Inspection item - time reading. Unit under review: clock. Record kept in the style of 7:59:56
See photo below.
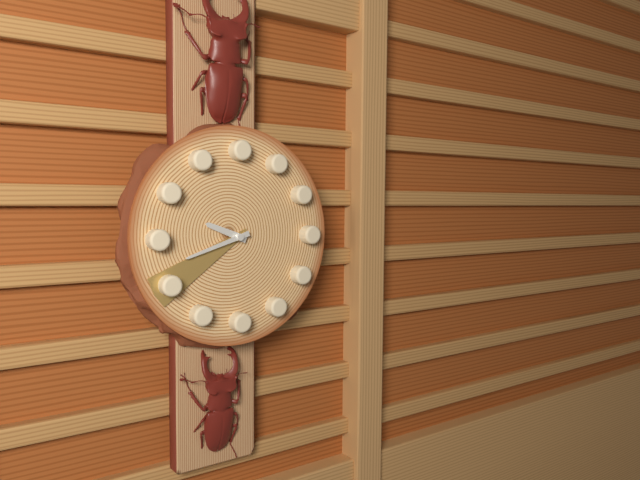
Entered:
9:42:40
